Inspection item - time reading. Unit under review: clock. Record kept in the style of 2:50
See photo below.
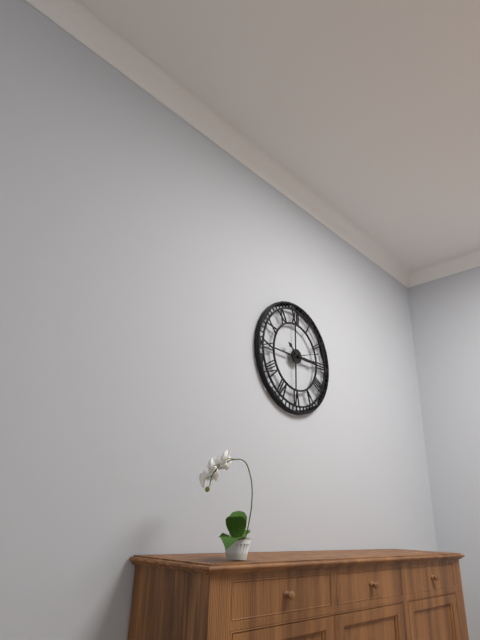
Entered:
10:15
